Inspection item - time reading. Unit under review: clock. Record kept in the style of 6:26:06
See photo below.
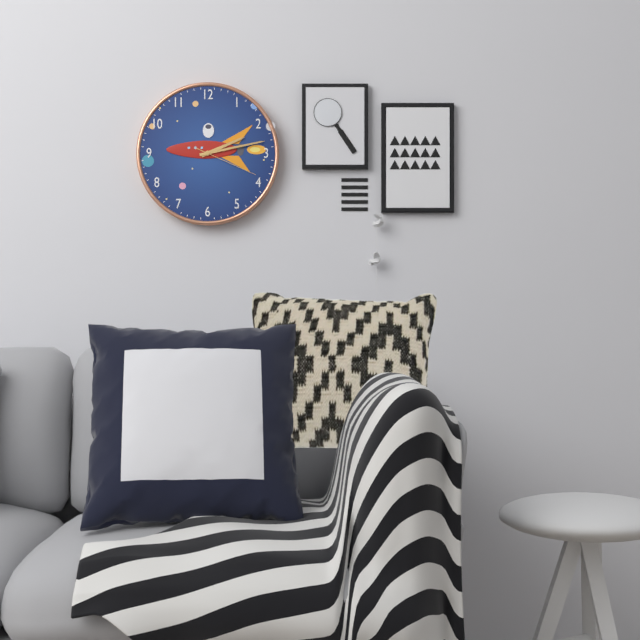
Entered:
2:13:19
